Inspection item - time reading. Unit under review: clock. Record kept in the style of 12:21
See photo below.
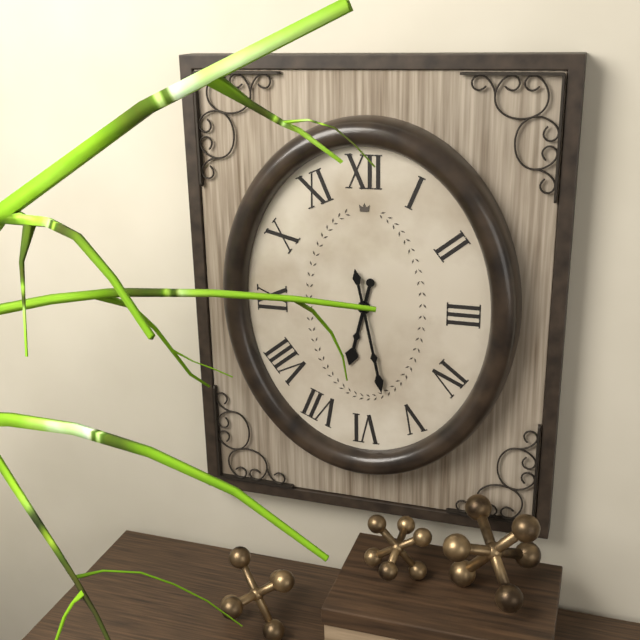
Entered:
6:28
